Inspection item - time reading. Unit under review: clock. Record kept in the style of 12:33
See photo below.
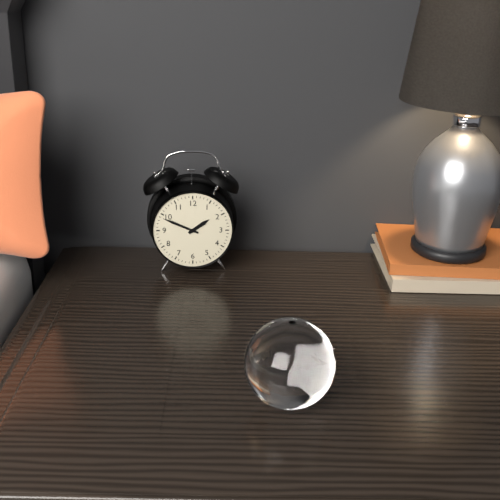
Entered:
1:49
